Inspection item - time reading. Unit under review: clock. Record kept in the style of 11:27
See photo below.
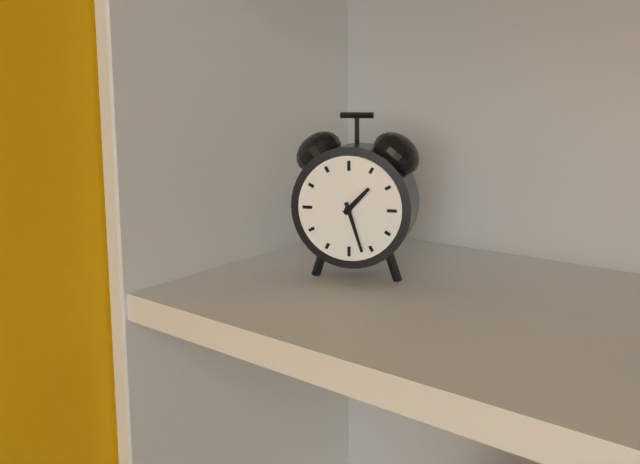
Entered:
1:27
